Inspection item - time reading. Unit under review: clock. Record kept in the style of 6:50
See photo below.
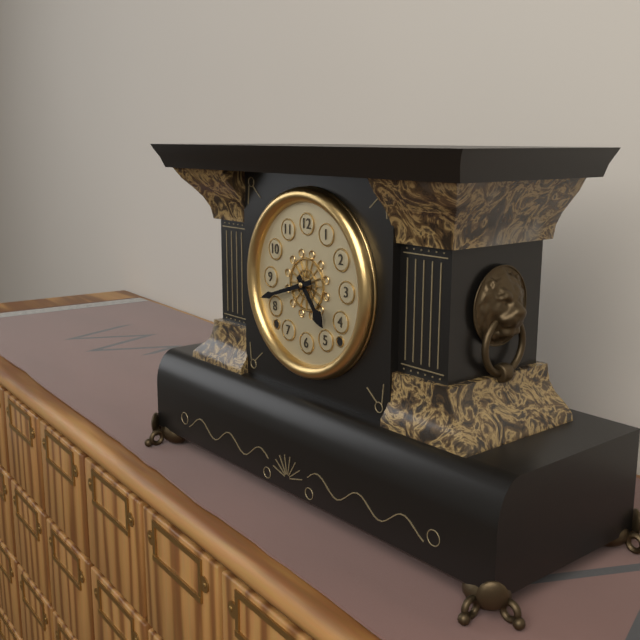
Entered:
4:42
